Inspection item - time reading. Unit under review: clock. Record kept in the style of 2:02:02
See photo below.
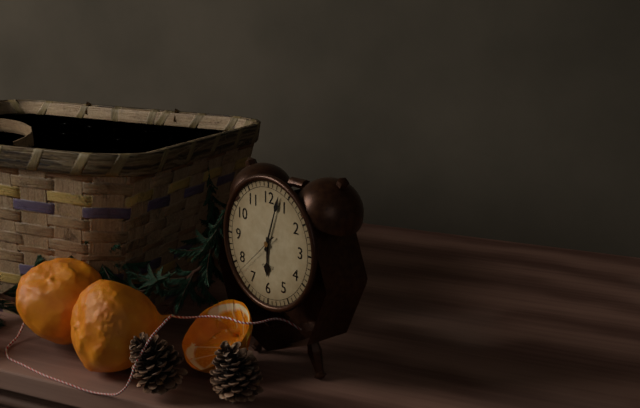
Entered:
6:03:38
